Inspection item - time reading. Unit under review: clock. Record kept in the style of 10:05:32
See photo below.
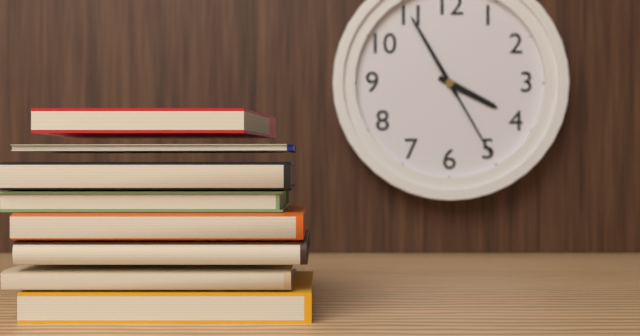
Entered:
3:55:25
